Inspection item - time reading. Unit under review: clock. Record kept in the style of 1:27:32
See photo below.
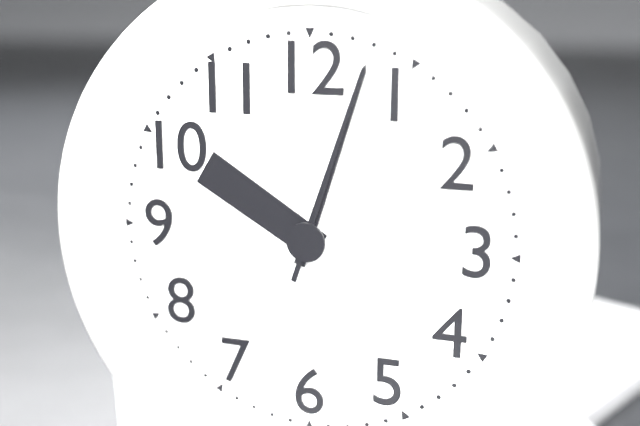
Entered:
10:03:03
